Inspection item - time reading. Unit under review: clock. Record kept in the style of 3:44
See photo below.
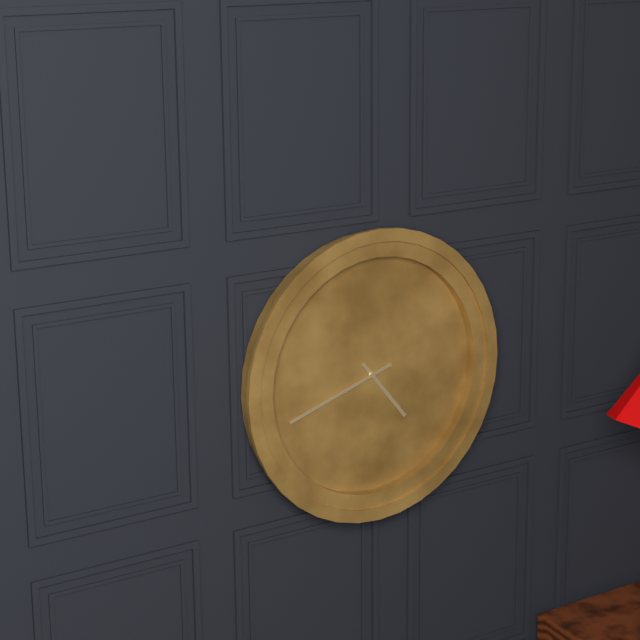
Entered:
4:42
